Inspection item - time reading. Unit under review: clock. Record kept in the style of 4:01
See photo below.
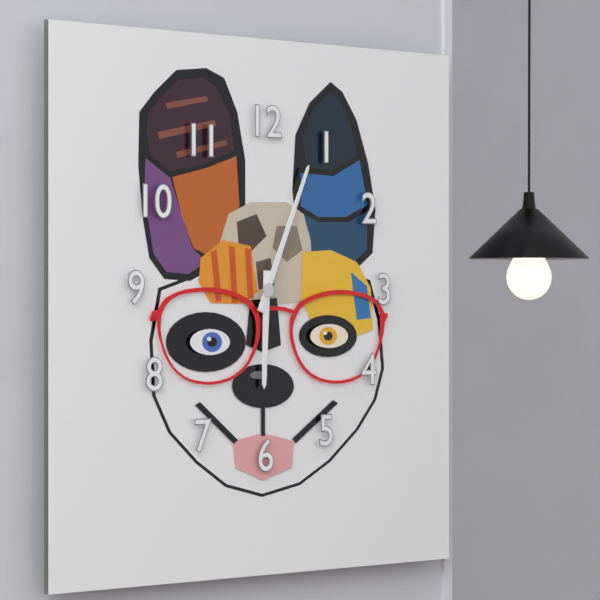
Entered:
6:04
